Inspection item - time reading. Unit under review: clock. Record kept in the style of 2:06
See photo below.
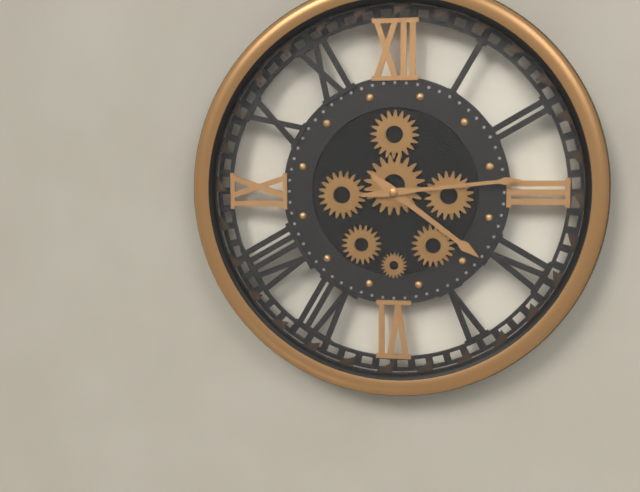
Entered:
4:14
